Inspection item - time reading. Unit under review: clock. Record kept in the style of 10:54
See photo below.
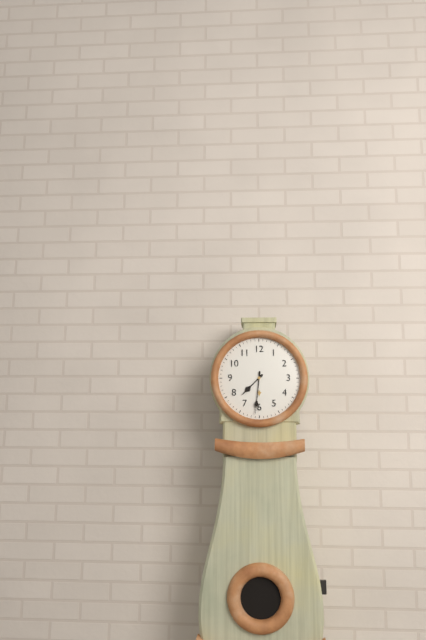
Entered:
7:31
